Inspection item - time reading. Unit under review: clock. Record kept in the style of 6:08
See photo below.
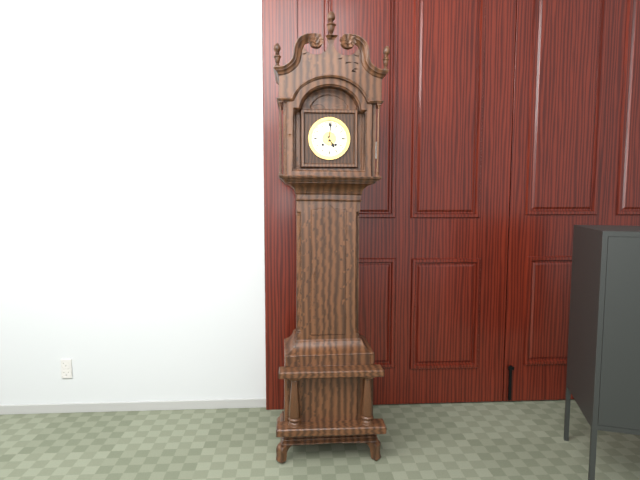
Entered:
5:01
